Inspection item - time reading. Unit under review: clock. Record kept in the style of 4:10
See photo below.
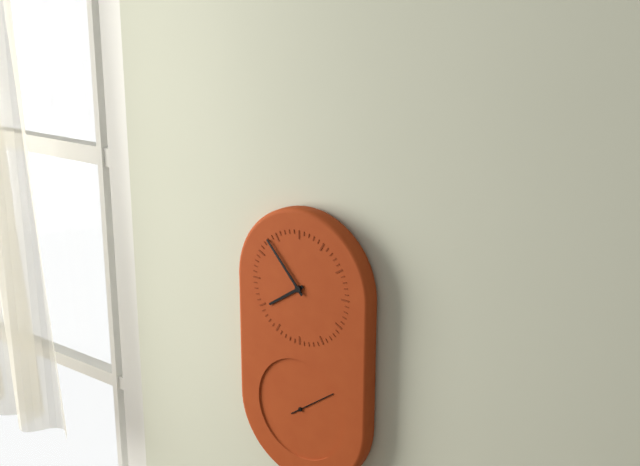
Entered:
7:53
